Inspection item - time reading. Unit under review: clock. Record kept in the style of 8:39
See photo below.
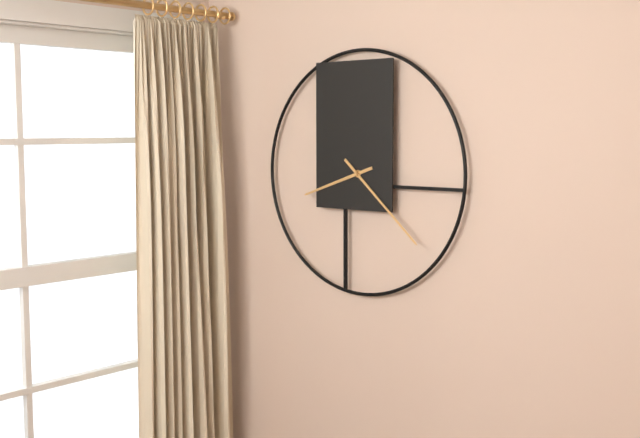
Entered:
8:22
